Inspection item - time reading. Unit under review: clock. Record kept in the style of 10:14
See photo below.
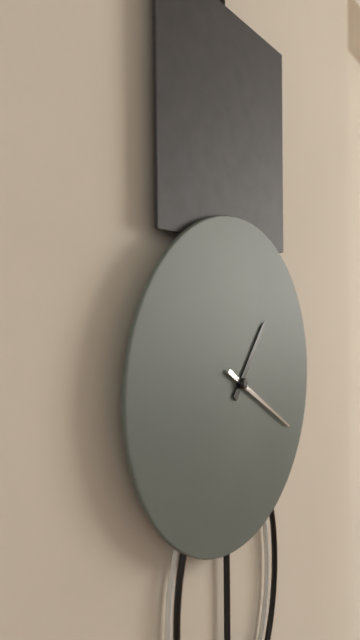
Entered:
1:20
